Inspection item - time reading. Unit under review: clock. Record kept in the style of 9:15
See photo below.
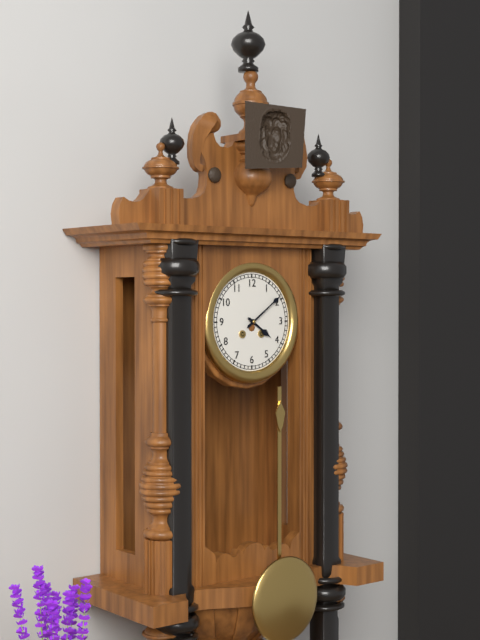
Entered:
4:09
